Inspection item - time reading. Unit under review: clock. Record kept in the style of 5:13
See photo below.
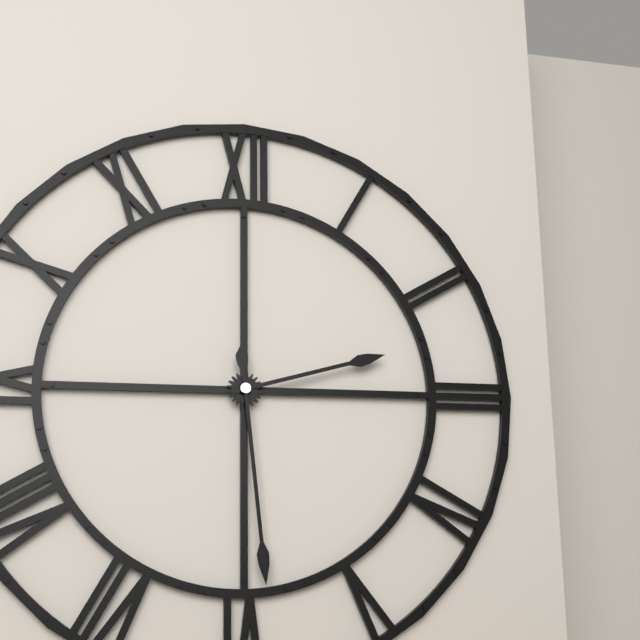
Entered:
2:29
